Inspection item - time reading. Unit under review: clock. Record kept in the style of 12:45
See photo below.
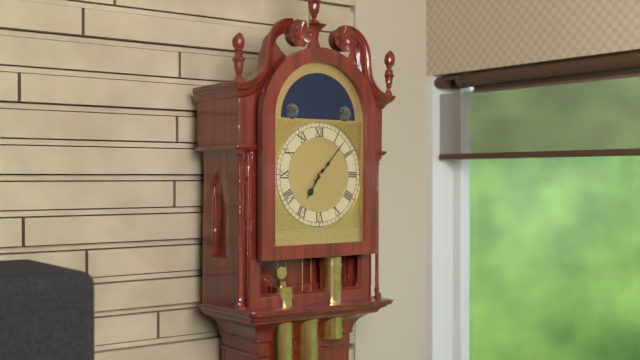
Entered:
7:07
